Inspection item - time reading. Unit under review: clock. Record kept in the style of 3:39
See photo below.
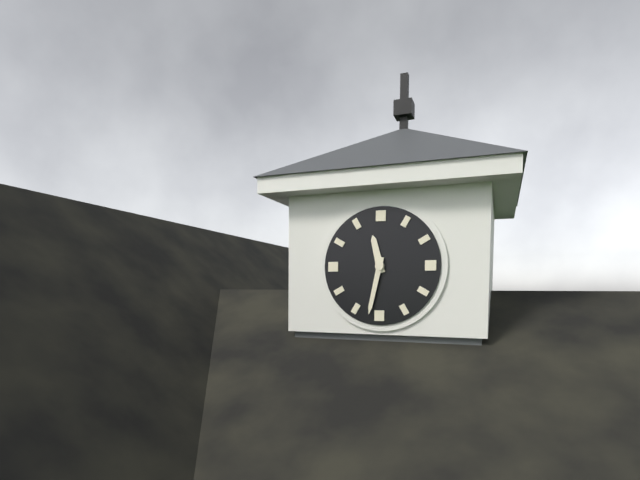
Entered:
11:32
